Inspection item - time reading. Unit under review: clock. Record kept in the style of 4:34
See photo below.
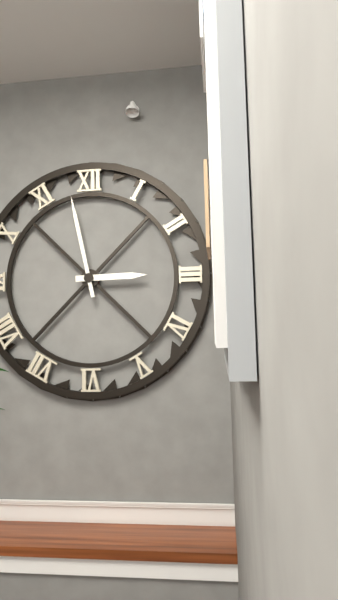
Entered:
2:58
